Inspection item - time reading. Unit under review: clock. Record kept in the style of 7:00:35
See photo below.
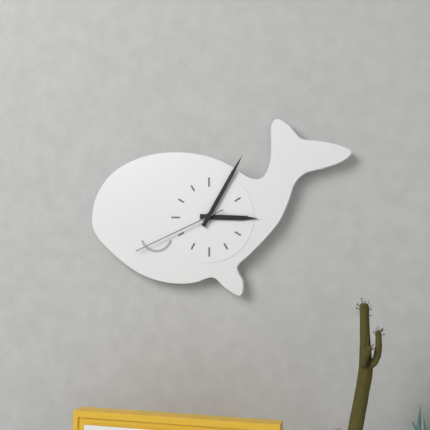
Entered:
3:05:41
